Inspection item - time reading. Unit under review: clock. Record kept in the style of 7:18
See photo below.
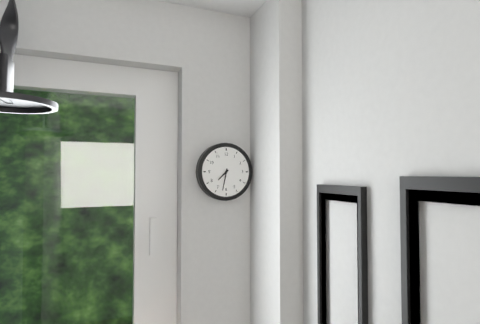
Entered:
7:32
